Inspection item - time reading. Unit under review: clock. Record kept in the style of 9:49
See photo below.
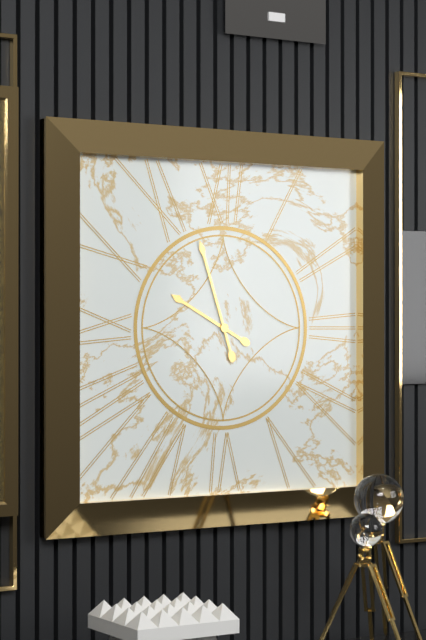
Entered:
9:57
